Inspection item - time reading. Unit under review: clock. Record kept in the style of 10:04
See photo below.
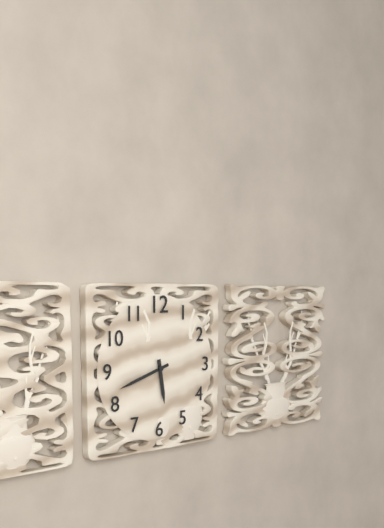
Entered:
5:42
